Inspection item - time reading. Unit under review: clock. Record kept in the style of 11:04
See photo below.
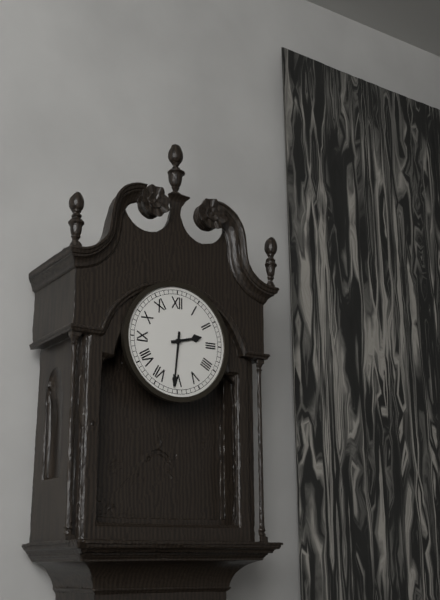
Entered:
2:31
